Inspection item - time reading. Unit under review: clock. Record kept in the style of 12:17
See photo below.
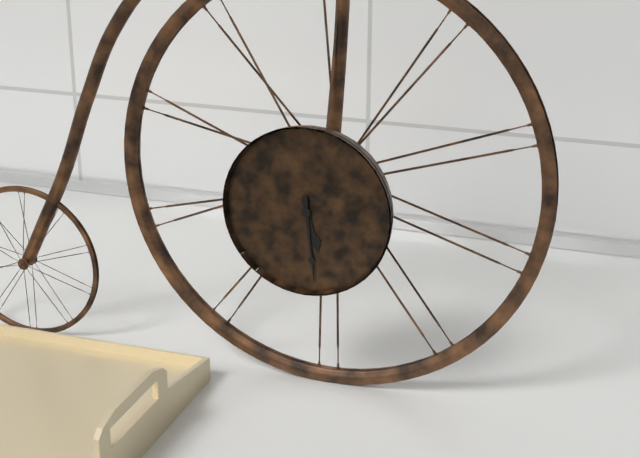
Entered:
5:29
